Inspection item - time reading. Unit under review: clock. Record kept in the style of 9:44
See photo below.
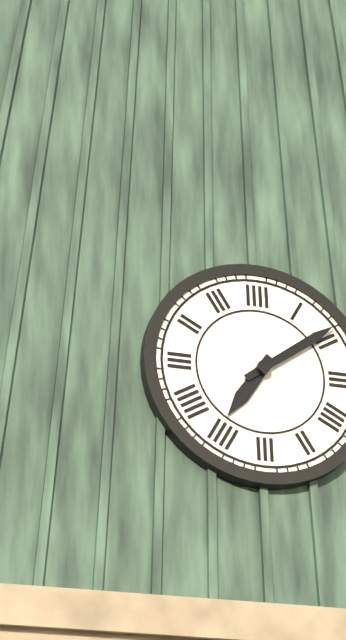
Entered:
7:09
